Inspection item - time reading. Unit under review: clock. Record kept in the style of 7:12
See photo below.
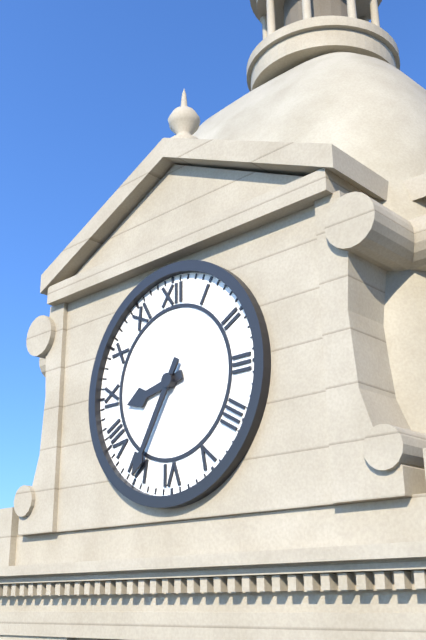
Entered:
8:35
